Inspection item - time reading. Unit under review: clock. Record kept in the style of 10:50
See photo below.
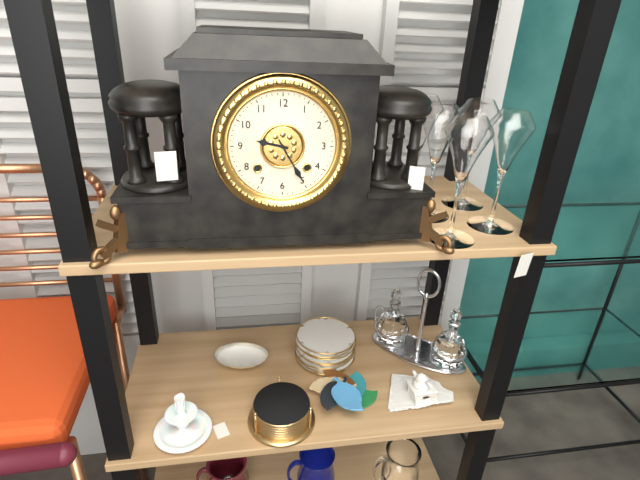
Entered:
9:25
